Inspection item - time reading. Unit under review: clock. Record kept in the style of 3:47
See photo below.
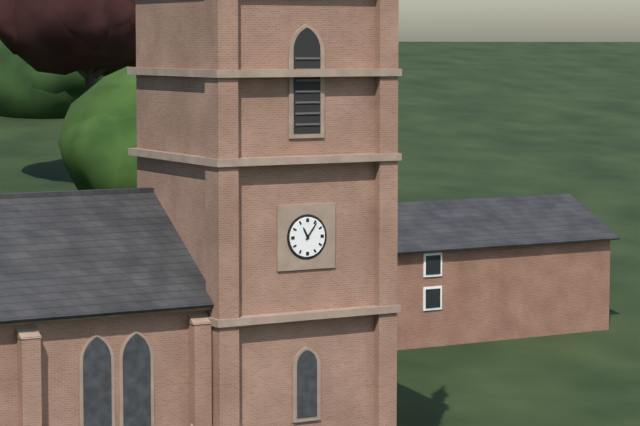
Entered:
11:06
